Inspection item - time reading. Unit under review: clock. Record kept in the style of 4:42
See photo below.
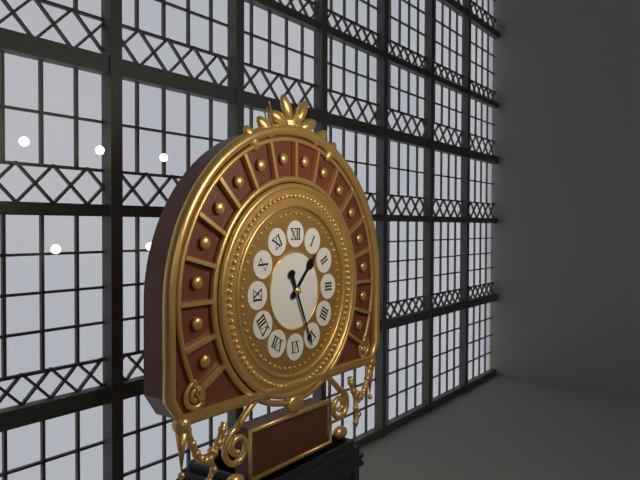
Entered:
1:26
